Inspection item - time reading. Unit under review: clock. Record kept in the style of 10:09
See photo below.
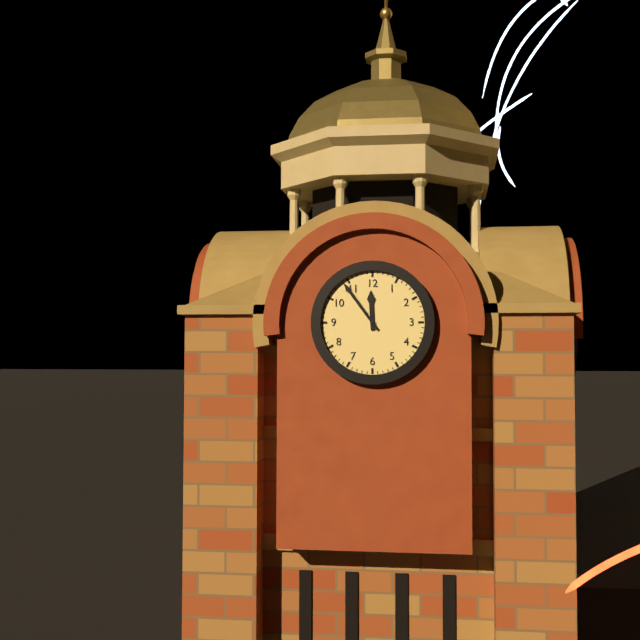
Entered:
11:54
